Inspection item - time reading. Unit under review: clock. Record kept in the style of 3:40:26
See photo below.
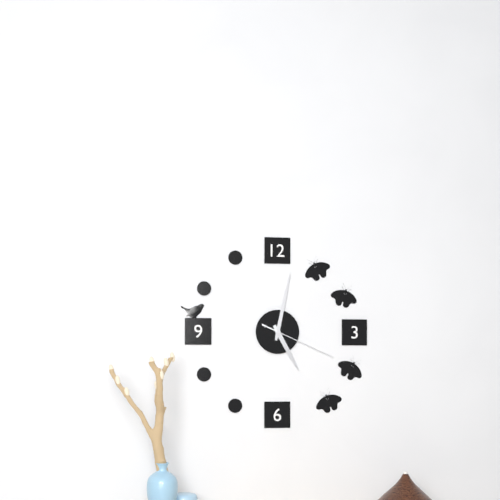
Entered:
5:02:19
